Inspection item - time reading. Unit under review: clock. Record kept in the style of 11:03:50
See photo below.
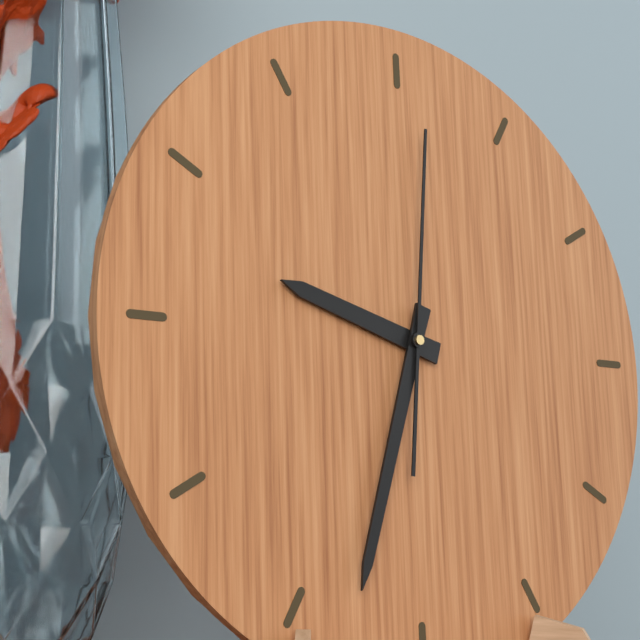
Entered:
9:33:01
